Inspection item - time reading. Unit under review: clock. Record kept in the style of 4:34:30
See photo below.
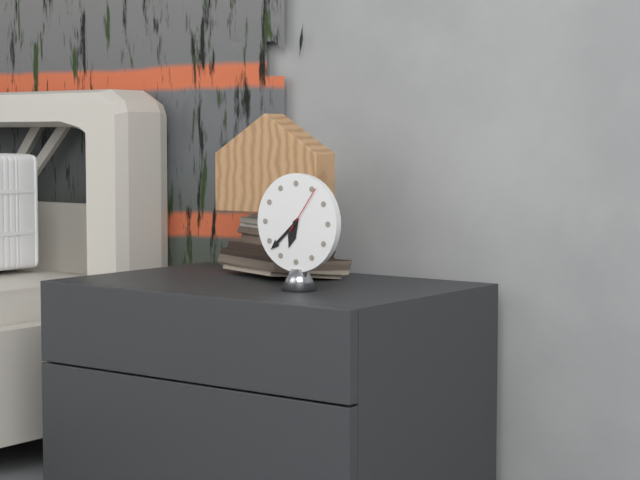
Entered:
6:38:06
